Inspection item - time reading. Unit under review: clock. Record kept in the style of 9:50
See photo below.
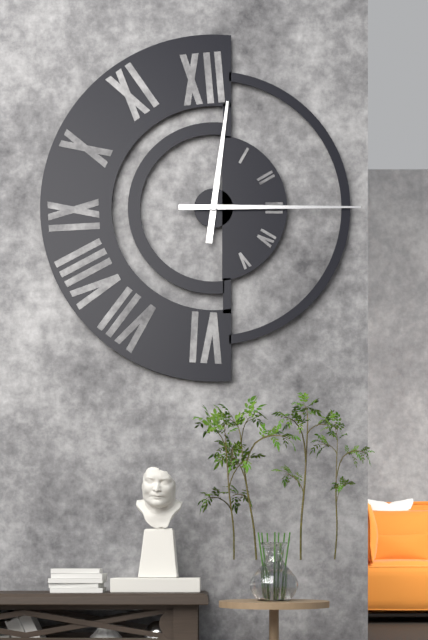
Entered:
12:15
